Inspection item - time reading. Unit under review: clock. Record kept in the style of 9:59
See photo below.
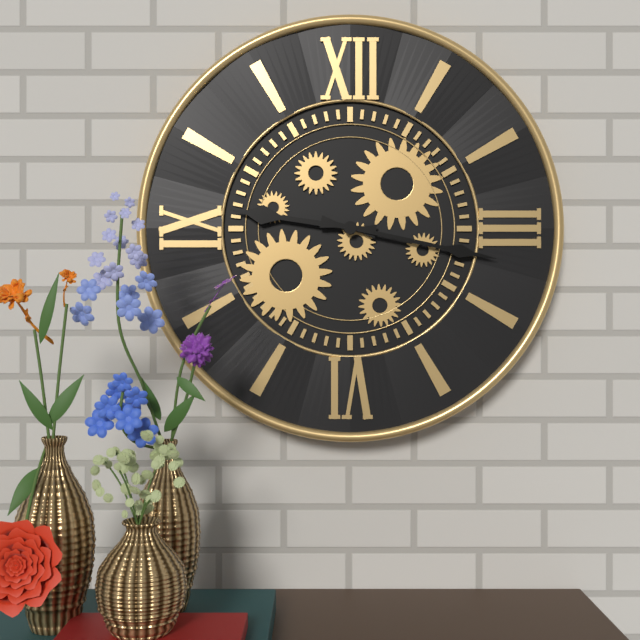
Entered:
9:17
